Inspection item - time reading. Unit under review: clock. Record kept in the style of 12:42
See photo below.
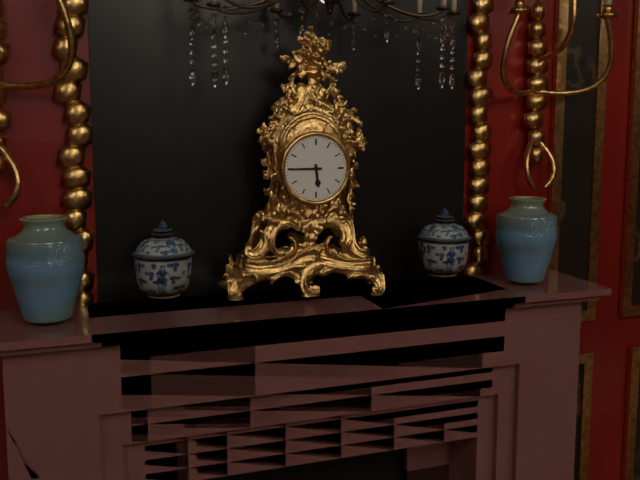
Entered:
5:45
